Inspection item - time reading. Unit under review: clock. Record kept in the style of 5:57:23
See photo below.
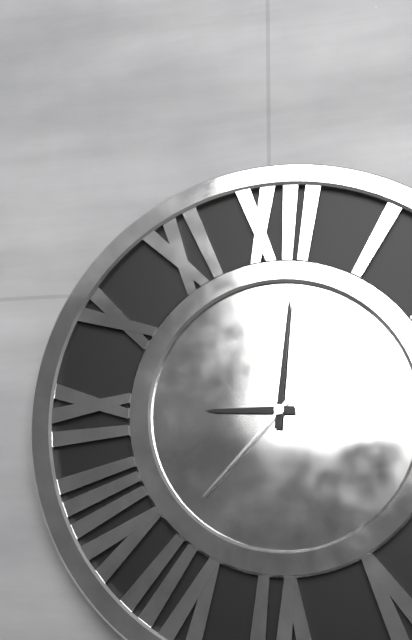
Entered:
9:01:37
